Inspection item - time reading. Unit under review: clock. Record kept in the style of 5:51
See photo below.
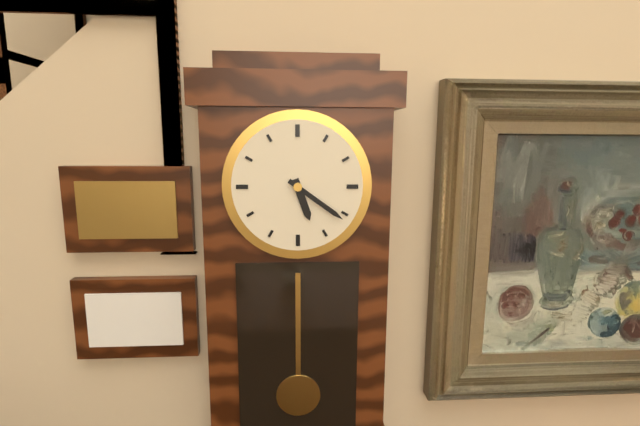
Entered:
5:21
